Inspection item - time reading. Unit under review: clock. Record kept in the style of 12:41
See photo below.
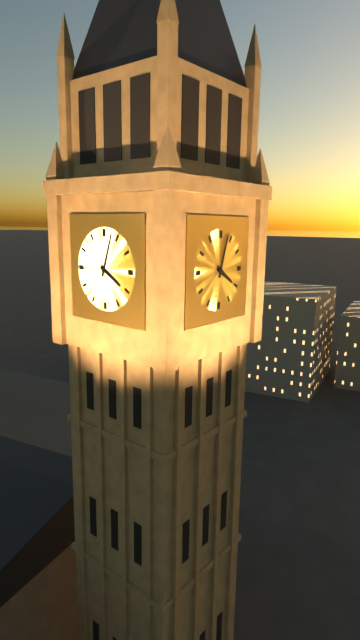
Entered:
4:03
